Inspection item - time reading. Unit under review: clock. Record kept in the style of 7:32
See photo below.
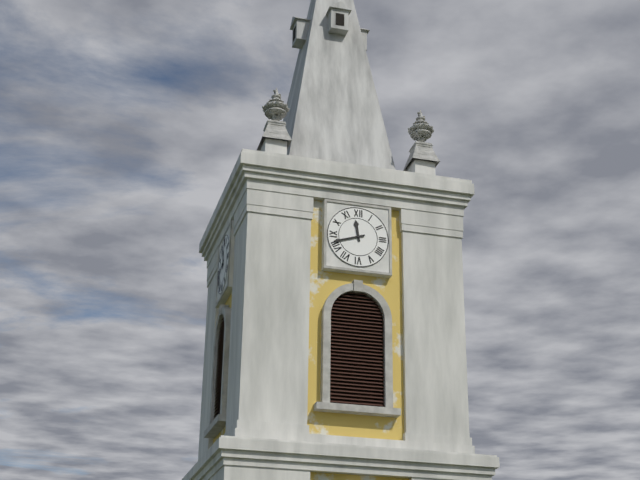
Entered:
11:42
